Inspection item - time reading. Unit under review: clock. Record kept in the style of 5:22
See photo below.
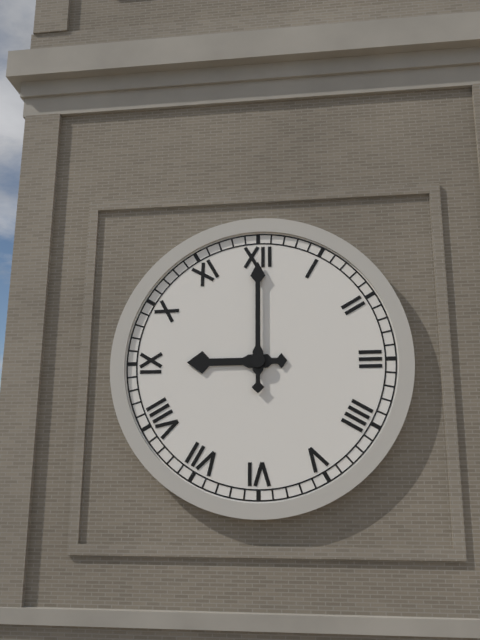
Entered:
9:00
